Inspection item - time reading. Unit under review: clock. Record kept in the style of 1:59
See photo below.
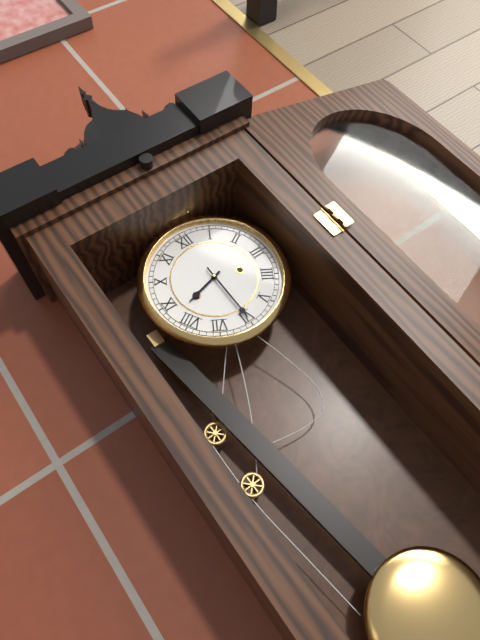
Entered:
8:30
